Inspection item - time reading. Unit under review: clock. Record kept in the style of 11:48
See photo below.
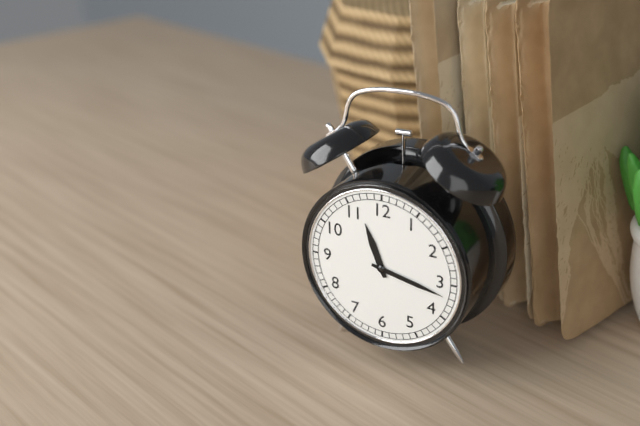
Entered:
11:17
